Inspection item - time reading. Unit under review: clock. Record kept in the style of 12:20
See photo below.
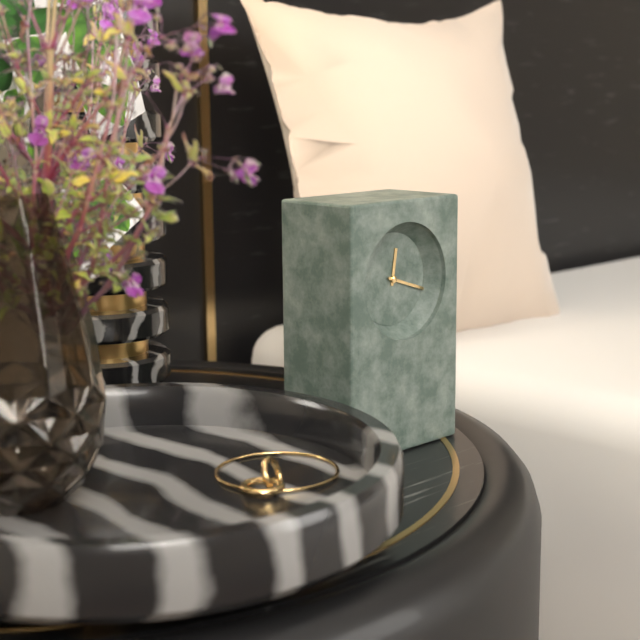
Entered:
12:18
